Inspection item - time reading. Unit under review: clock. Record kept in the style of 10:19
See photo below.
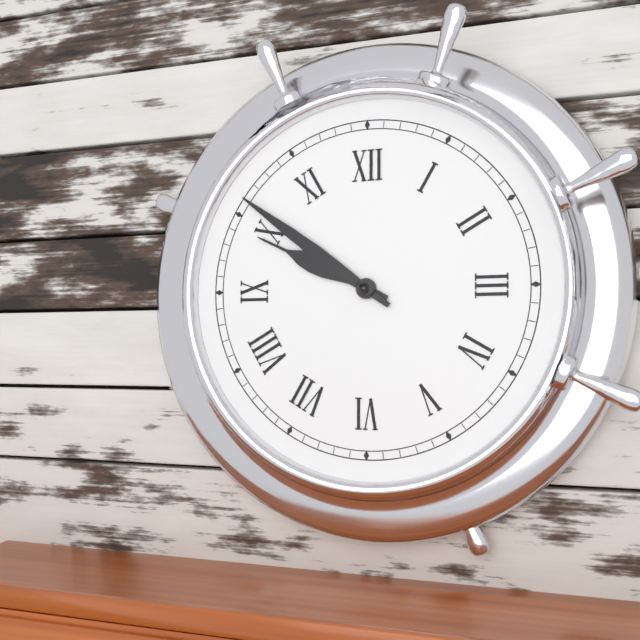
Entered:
9:51
